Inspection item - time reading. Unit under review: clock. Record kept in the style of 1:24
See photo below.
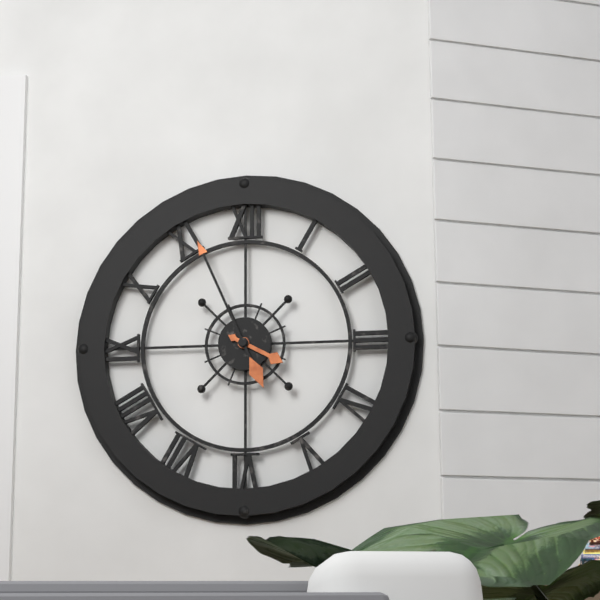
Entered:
3:56
